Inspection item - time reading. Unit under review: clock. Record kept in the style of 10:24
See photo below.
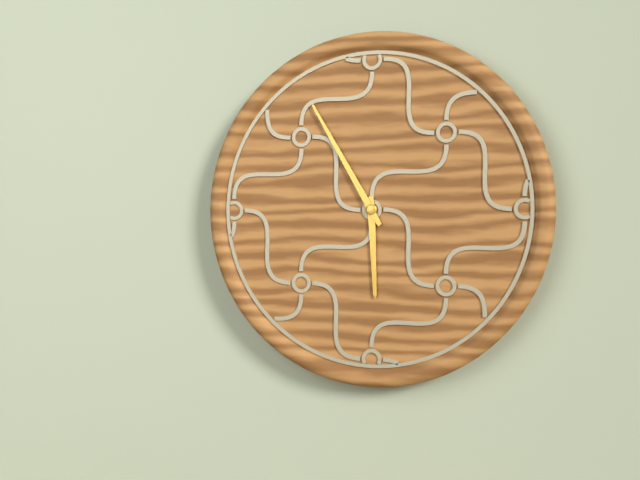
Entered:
5:55
